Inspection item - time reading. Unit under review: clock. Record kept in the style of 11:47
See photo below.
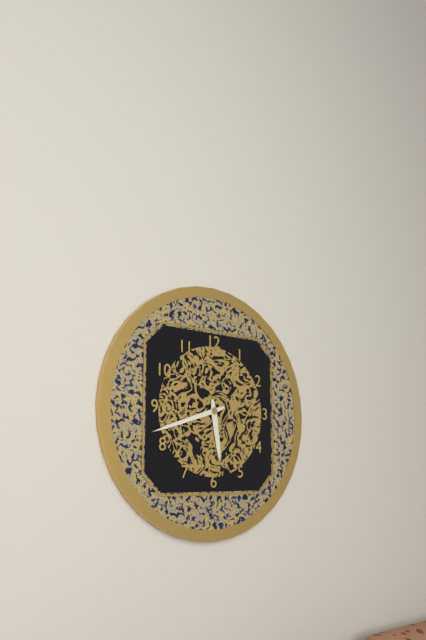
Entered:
5:42
